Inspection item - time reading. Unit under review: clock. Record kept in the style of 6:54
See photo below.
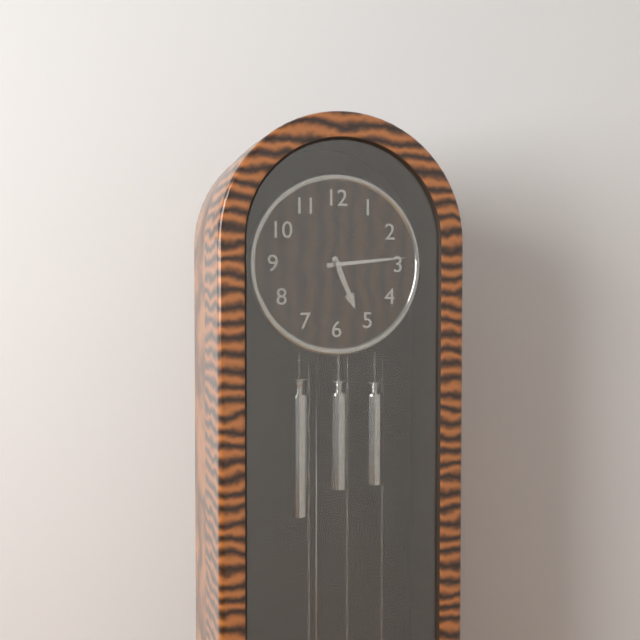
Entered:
5:14
